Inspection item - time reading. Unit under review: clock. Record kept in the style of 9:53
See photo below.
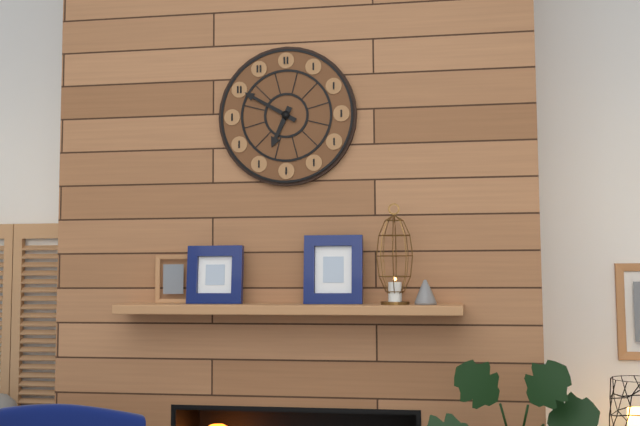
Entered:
6:50
